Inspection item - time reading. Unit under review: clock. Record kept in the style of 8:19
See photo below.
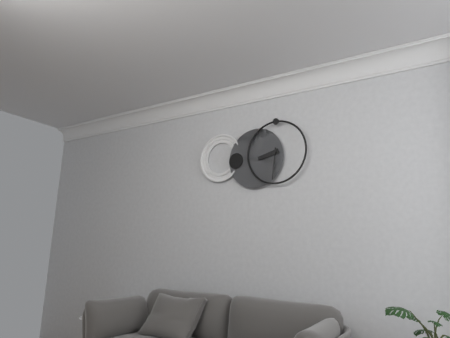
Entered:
8:31
